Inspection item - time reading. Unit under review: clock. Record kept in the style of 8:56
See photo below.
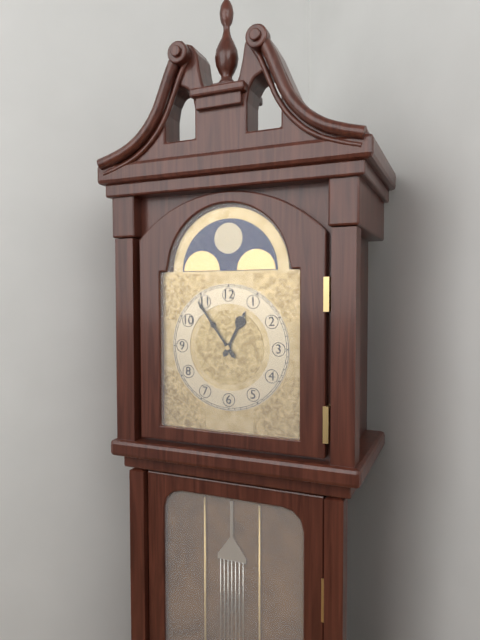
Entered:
12:54
